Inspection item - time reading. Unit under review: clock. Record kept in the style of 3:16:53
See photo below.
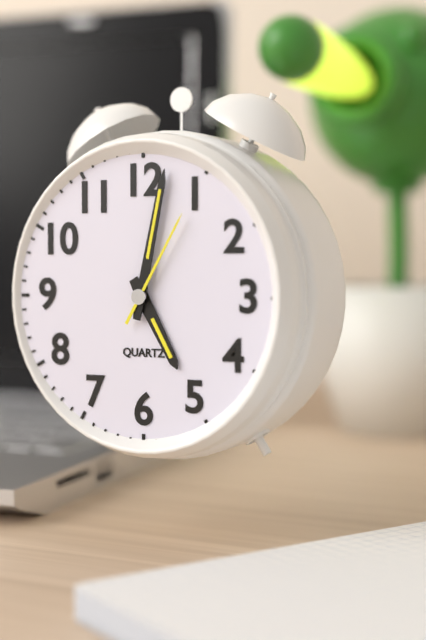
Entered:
5:02:05
